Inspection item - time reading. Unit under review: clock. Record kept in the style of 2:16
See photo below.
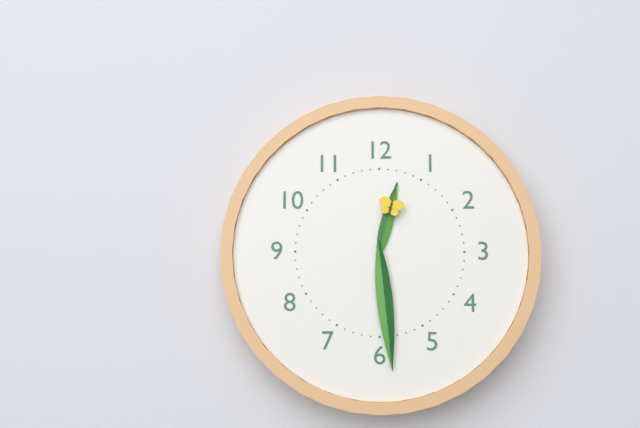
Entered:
12:29
